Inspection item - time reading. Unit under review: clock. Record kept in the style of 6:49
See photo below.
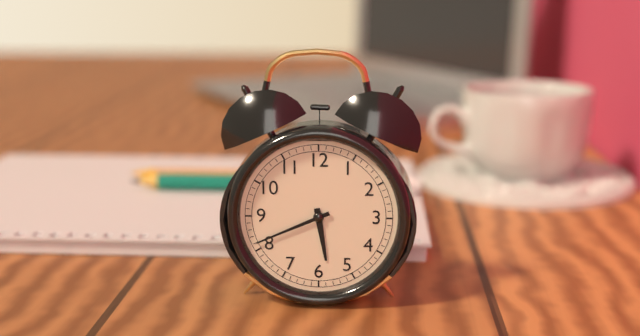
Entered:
5:41
